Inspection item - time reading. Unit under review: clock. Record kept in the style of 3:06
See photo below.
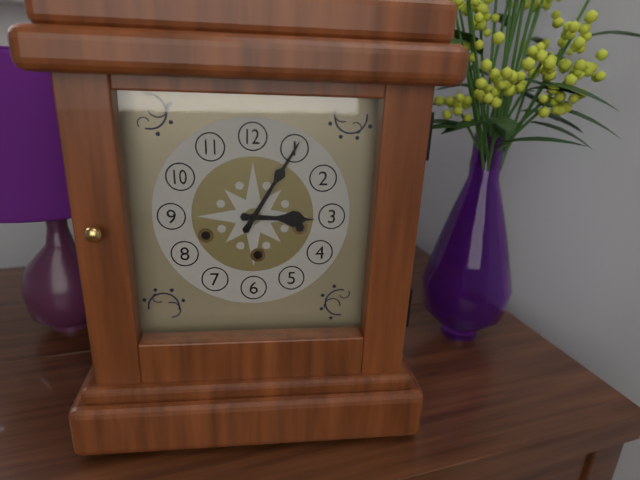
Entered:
3:05
